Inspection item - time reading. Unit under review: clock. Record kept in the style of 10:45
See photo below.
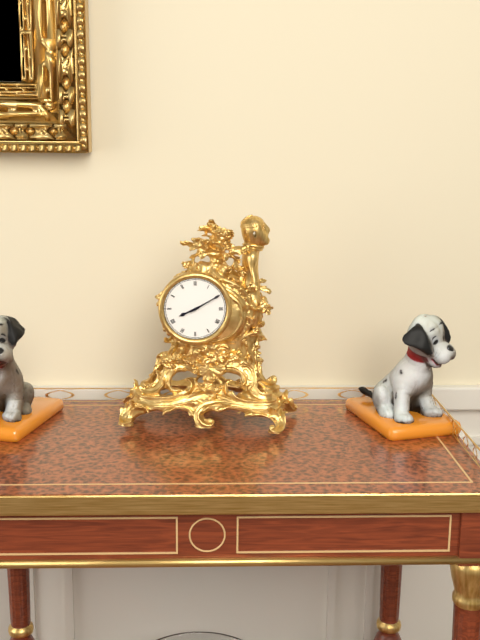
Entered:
8:10
